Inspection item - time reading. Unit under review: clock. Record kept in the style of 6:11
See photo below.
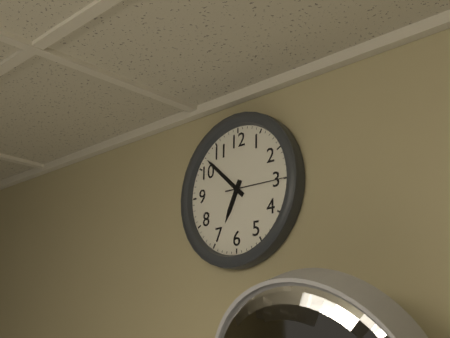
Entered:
6:52
